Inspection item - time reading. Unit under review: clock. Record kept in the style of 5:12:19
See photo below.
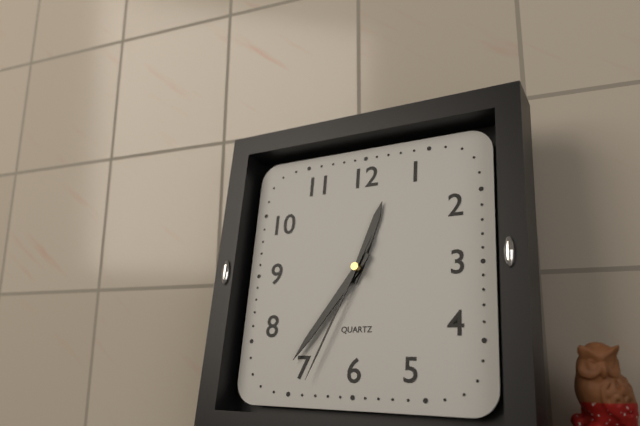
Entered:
12:36:34
